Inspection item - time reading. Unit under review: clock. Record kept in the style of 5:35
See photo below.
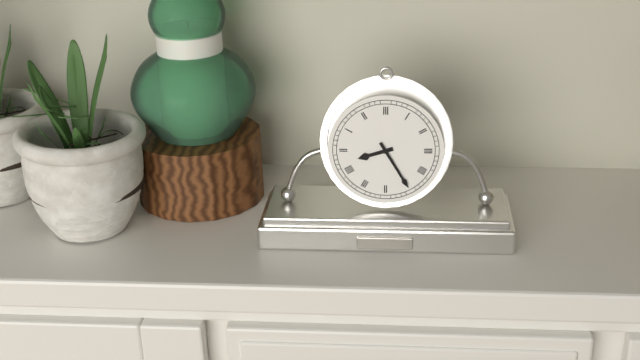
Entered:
8:25
